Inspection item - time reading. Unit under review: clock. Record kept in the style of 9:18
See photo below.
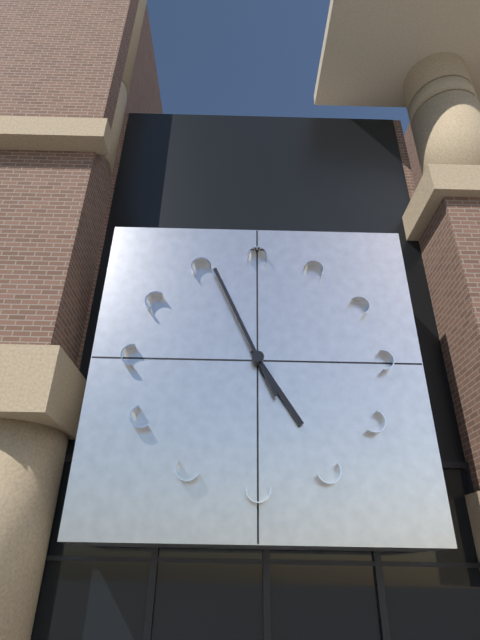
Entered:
4:56
